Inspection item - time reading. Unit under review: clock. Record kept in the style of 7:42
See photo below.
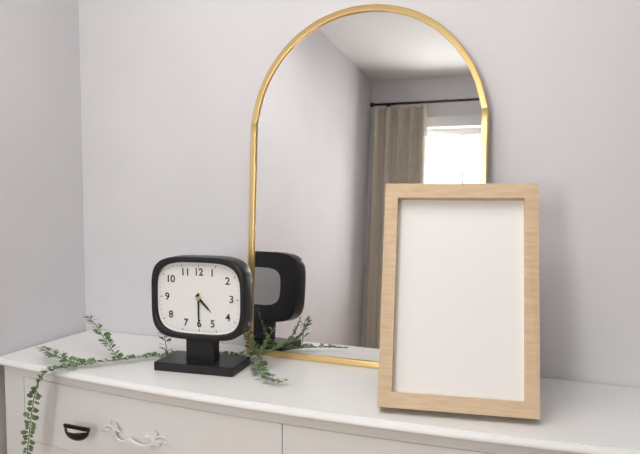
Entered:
4:30
